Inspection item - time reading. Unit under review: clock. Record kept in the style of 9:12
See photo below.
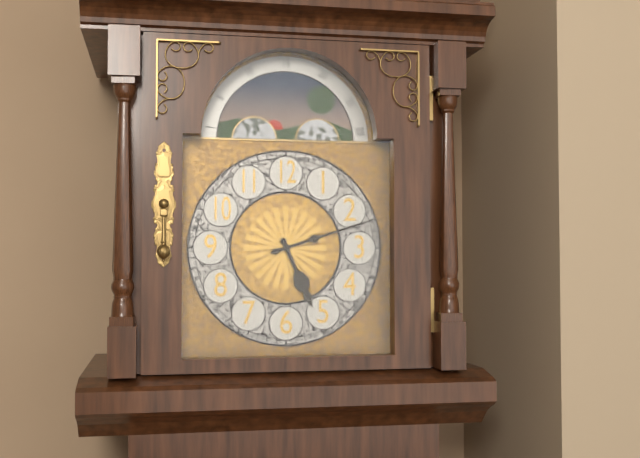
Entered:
5:12
